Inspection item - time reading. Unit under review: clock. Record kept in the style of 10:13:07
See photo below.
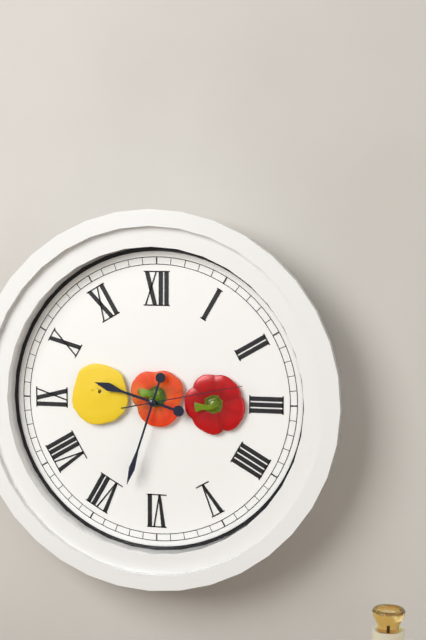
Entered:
9:33:13
